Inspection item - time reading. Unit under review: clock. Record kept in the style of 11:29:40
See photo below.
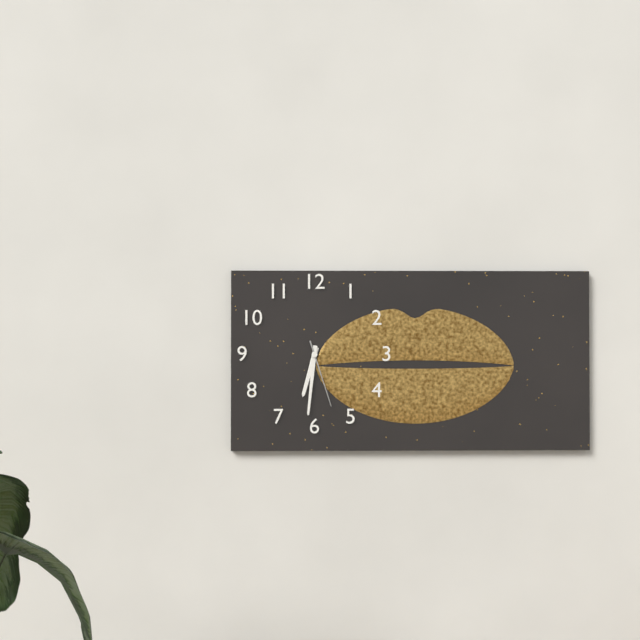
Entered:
6:31:27
